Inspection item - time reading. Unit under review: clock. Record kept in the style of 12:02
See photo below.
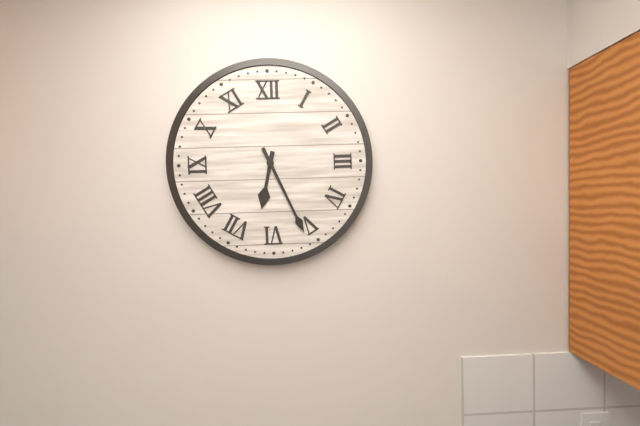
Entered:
6:26
